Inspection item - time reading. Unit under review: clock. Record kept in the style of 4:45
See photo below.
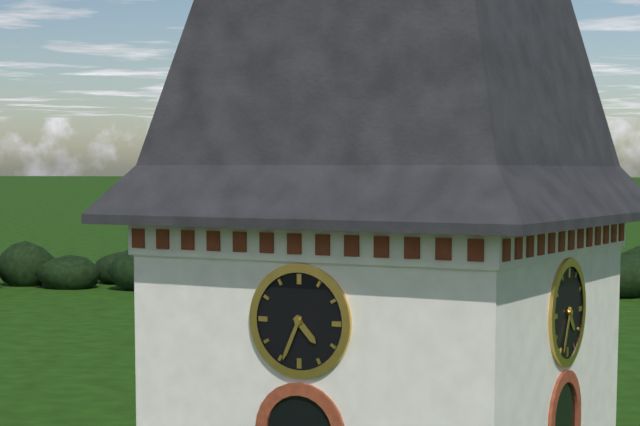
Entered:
4:34
